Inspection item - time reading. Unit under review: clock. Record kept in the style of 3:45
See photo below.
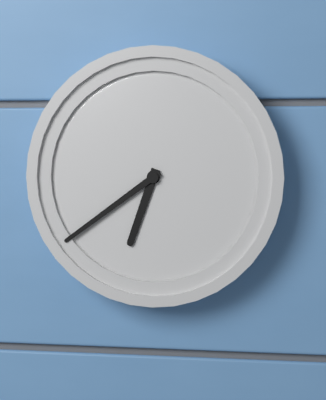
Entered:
6:39
